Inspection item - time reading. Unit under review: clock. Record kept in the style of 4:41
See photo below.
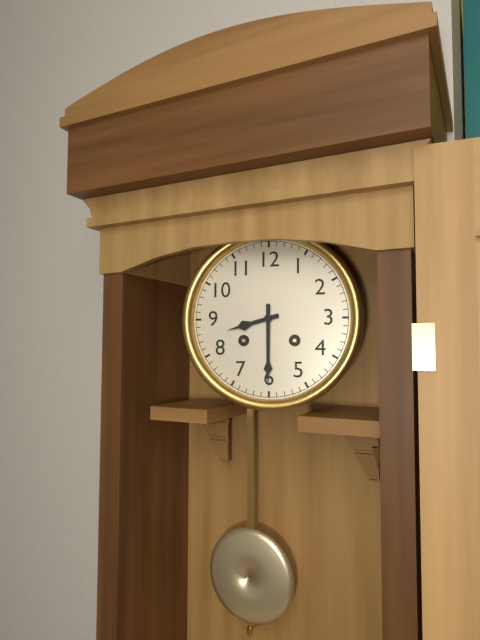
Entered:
8:30
